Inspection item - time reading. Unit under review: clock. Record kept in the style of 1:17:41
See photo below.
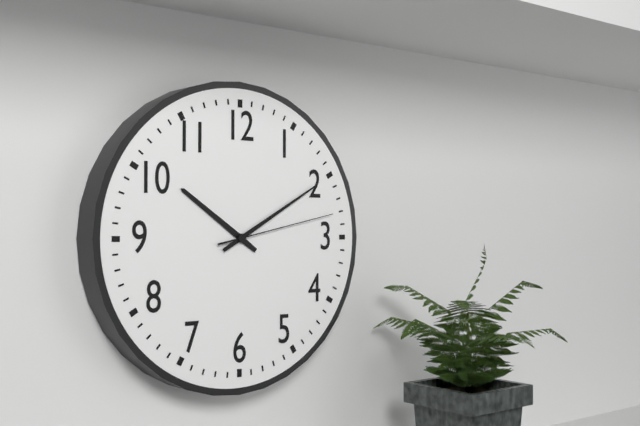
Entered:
10:10:13
